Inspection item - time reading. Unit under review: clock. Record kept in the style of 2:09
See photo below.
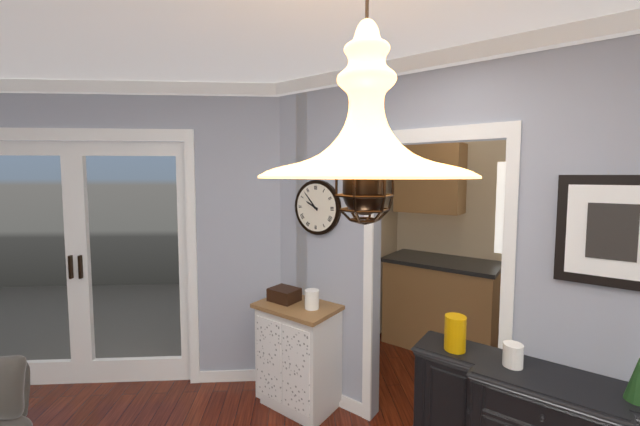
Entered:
9:53
